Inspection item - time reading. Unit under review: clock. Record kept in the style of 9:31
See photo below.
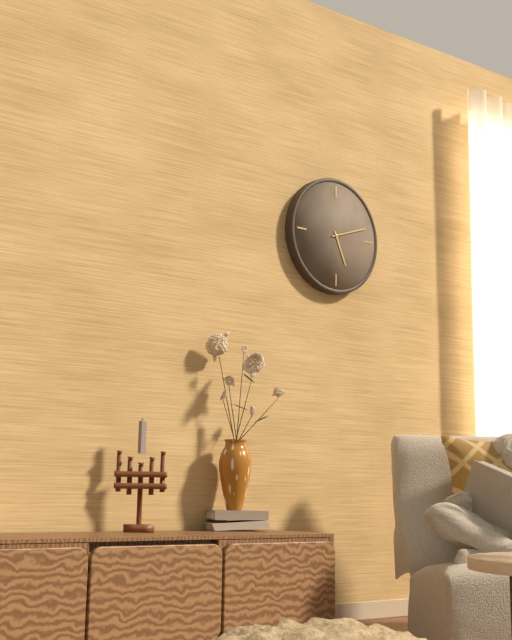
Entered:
5:12
